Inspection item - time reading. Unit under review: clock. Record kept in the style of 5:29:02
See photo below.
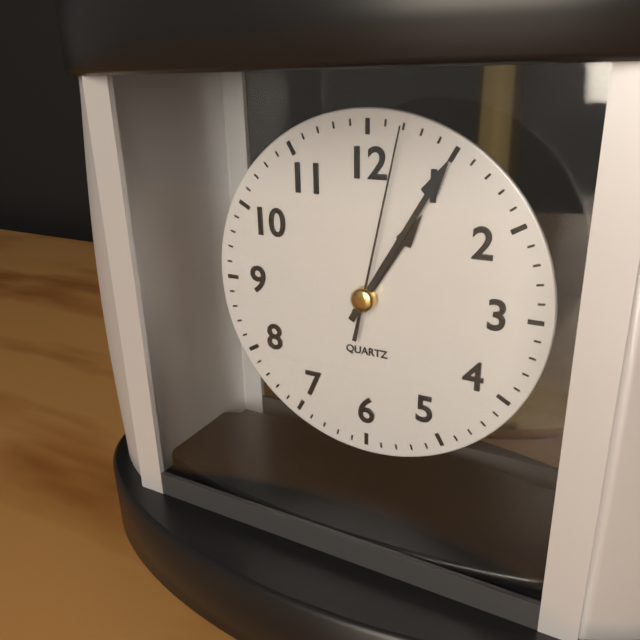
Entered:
1:05:02
